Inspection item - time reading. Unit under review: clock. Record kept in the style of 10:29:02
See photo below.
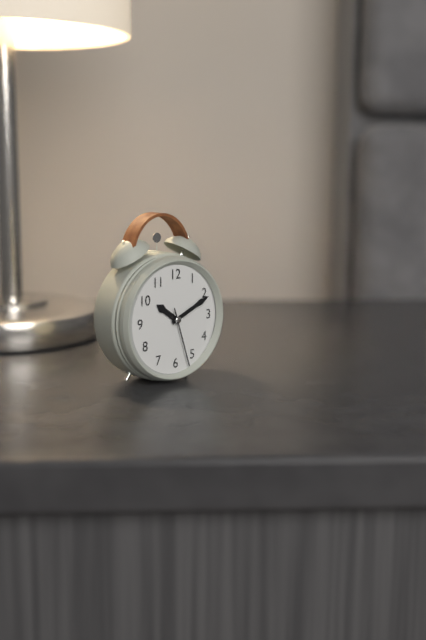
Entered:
10:11:27
